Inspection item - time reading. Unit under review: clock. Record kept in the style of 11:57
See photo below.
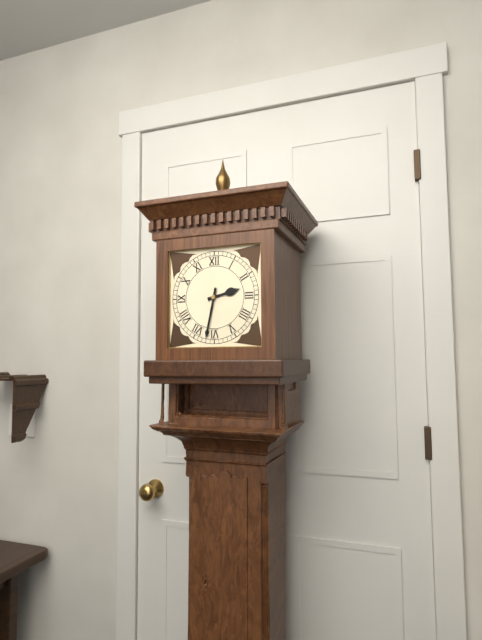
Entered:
2:32
